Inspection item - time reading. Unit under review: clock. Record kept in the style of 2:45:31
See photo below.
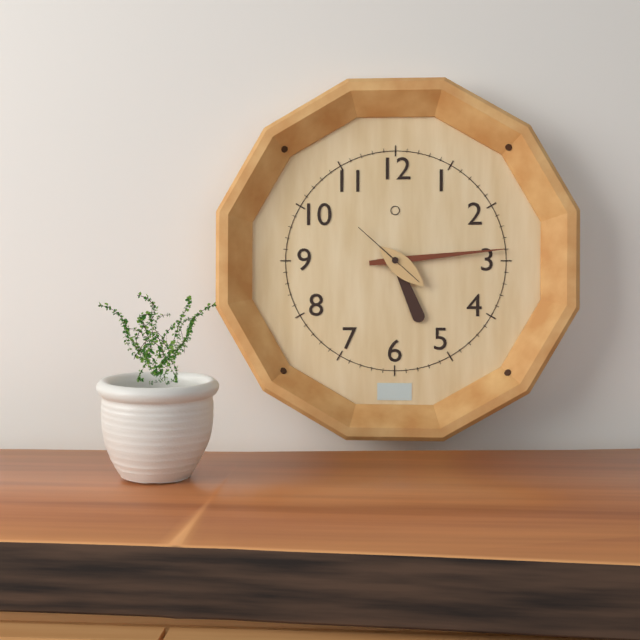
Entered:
5:14:52
